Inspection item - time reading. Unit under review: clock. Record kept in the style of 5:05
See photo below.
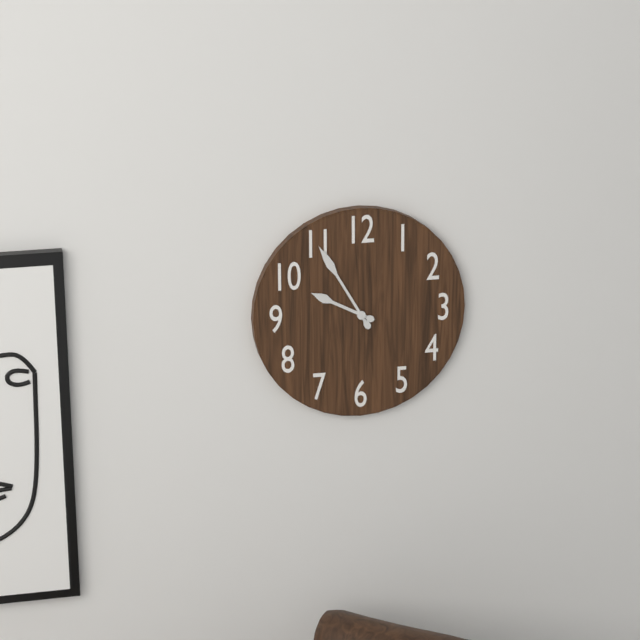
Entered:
9:55
